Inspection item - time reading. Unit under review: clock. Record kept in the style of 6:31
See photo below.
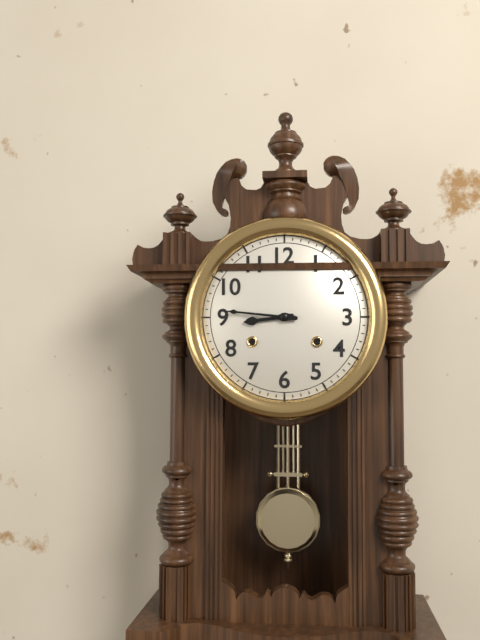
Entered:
8:46
